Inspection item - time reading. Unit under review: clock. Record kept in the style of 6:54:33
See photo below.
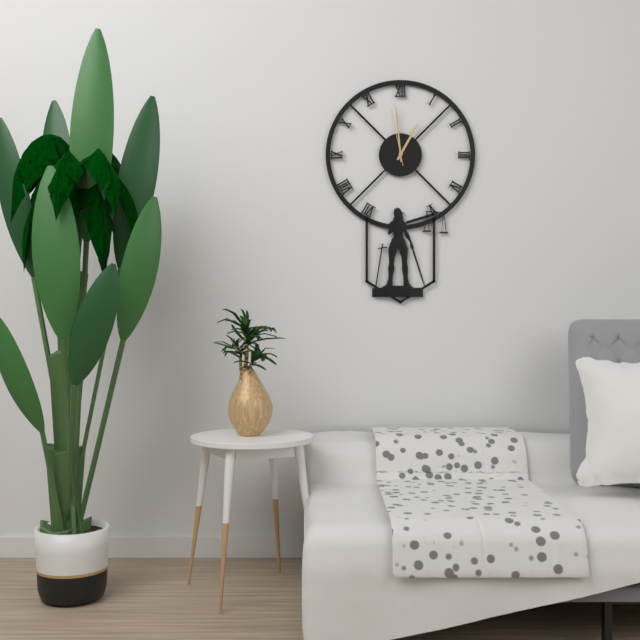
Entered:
12:59:58
